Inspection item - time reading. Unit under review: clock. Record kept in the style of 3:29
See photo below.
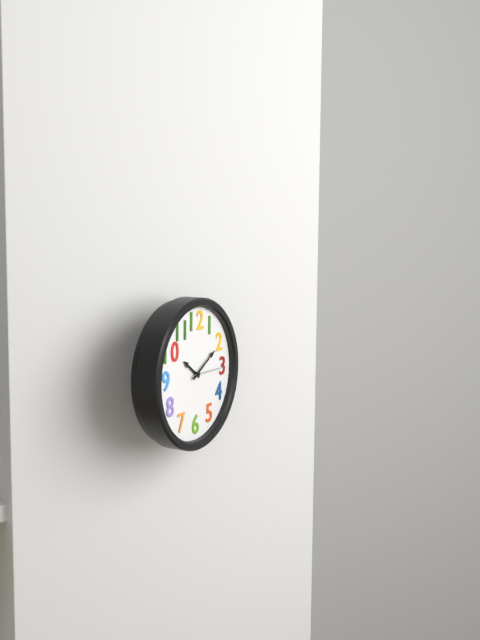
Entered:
10:10
